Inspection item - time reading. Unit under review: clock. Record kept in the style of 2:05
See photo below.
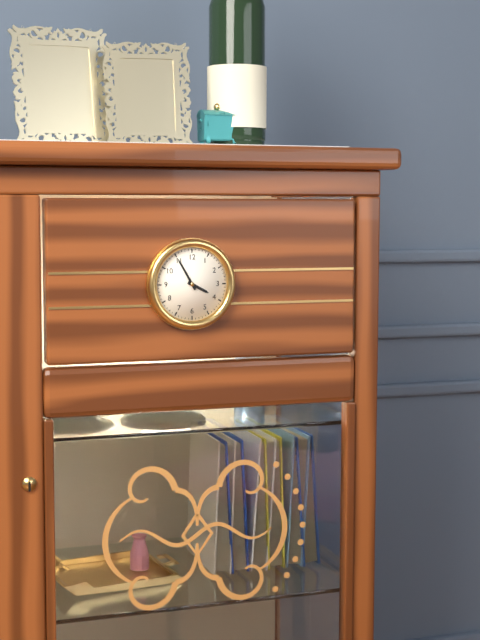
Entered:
3:55
